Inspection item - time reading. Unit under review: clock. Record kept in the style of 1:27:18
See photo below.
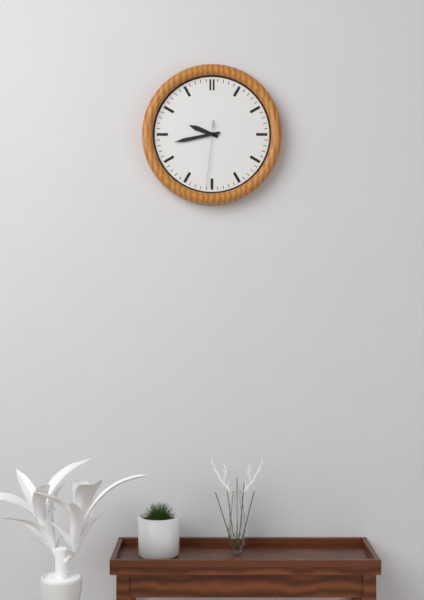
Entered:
9:43:31
